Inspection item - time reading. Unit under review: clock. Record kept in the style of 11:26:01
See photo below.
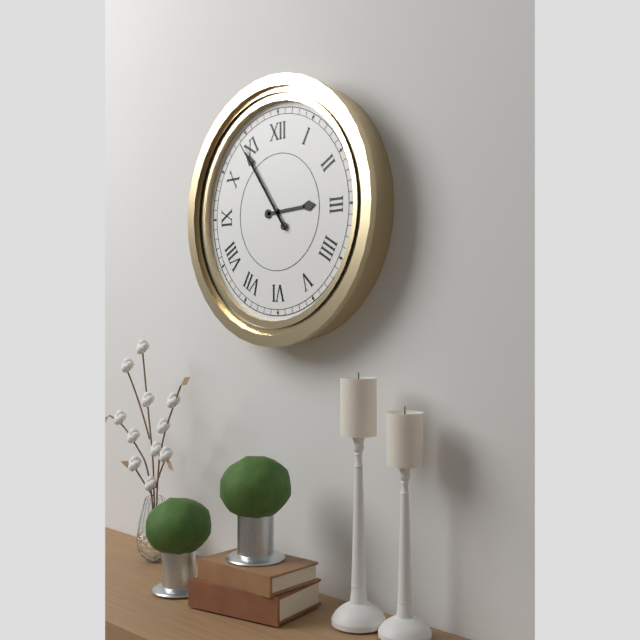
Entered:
2:54:54
